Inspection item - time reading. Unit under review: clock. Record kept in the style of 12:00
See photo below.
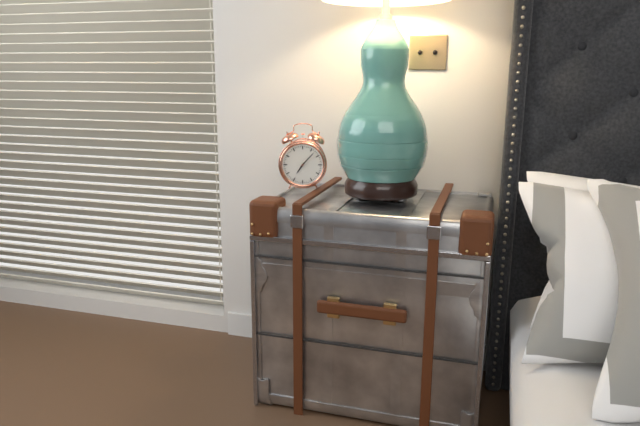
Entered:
7:07
